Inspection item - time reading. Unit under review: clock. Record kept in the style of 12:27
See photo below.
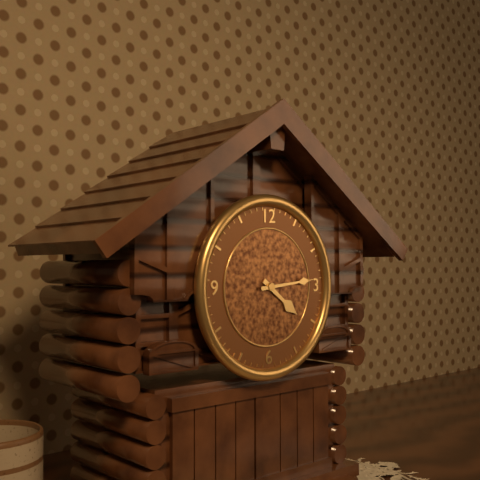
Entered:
4:14
